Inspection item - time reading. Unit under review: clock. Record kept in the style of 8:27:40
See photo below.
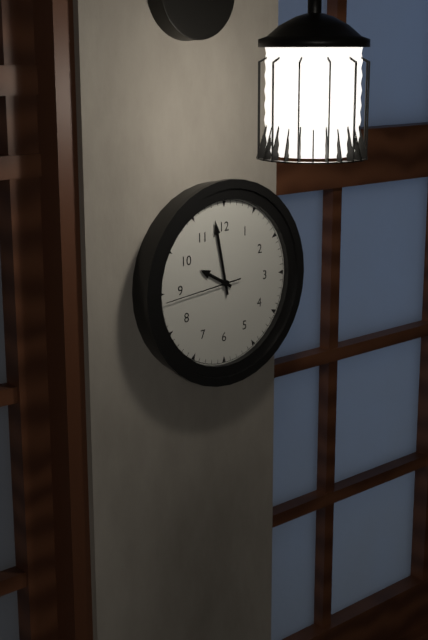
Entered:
9:58:44
